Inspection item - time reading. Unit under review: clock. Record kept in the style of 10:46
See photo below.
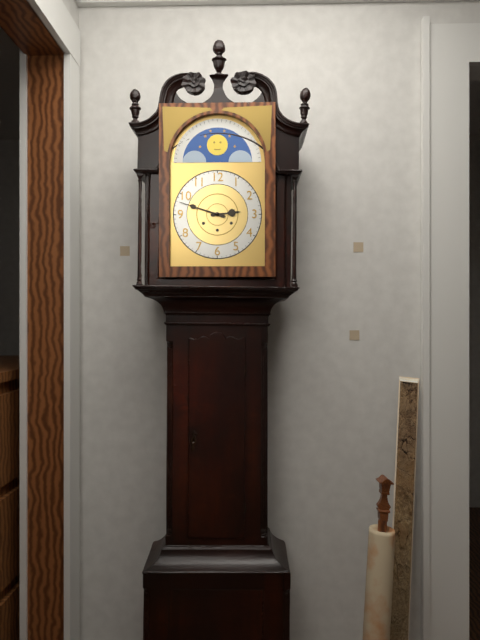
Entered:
2:48
